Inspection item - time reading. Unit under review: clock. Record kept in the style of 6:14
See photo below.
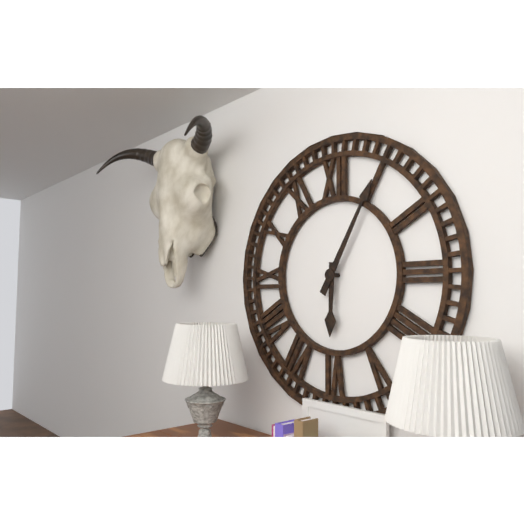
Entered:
6:05
